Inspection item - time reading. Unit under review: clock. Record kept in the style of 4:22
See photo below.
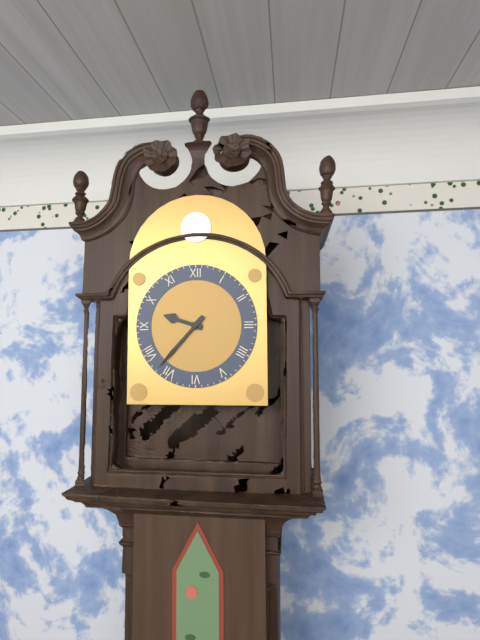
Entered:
9:37
